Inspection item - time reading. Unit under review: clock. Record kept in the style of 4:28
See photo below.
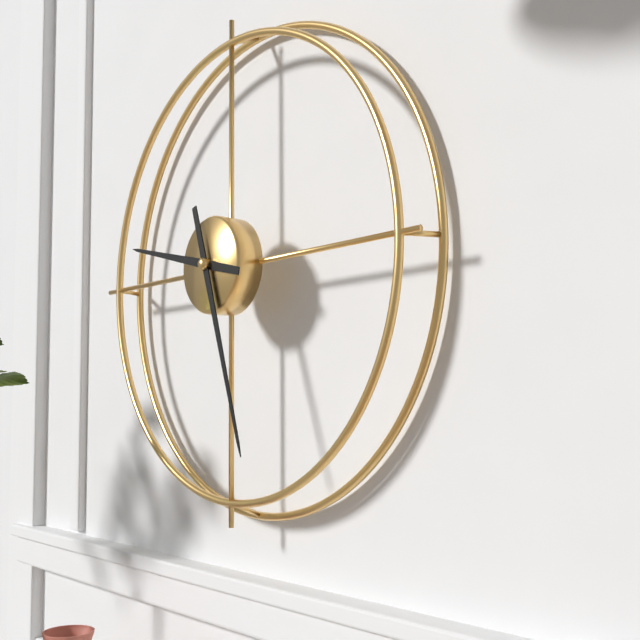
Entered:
9:27
